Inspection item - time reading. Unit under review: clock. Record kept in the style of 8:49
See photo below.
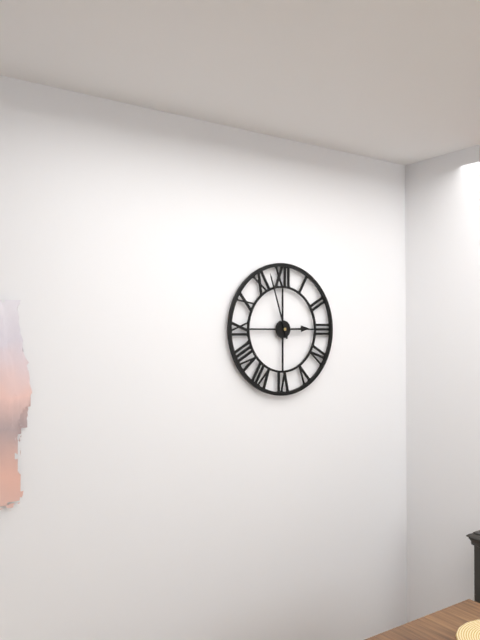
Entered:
2:57
